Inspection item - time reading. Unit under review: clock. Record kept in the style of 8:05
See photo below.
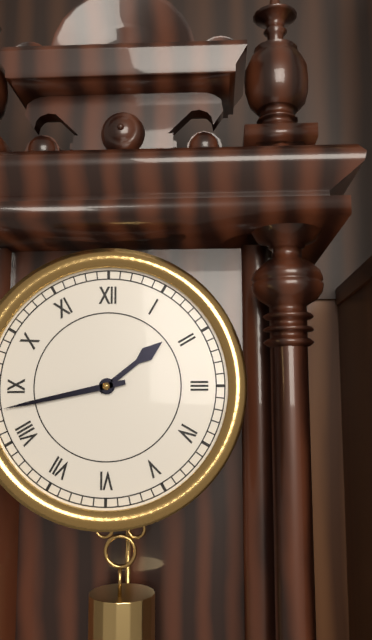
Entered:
1:43
